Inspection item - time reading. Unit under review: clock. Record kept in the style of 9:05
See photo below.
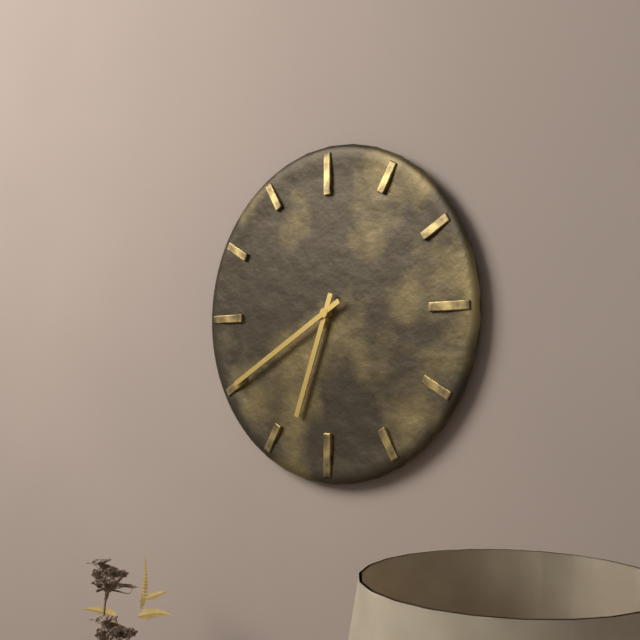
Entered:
6:40
